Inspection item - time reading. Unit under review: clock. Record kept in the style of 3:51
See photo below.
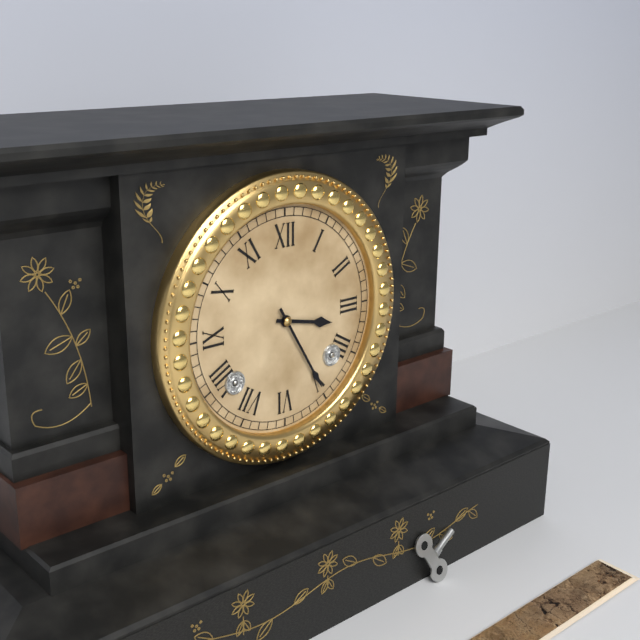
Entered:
3:25
